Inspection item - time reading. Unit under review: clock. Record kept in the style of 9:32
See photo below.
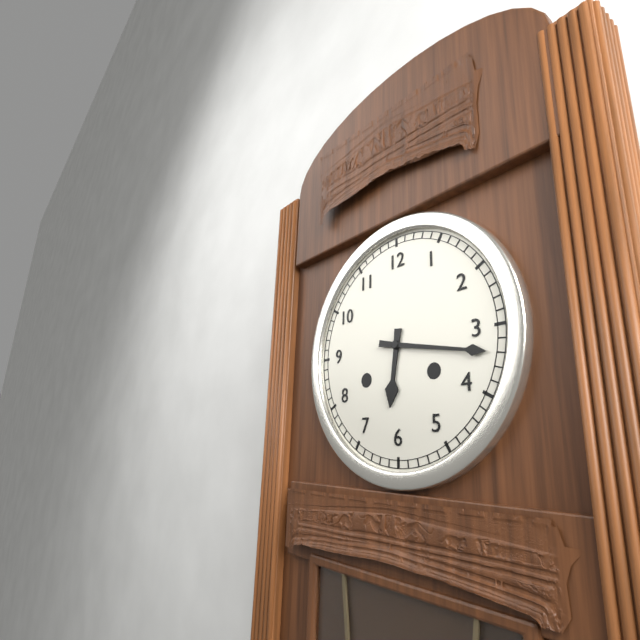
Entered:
6:17
